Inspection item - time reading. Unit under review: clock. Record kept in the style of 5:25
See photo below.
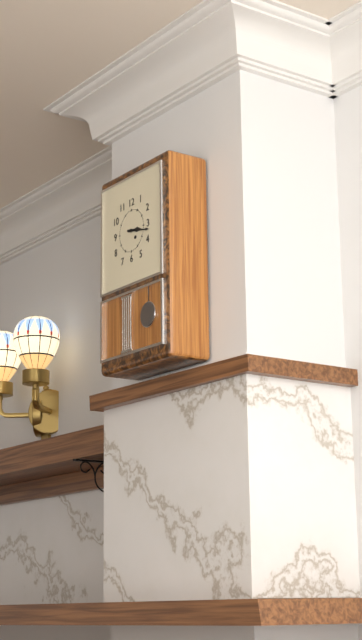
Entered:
3:17
